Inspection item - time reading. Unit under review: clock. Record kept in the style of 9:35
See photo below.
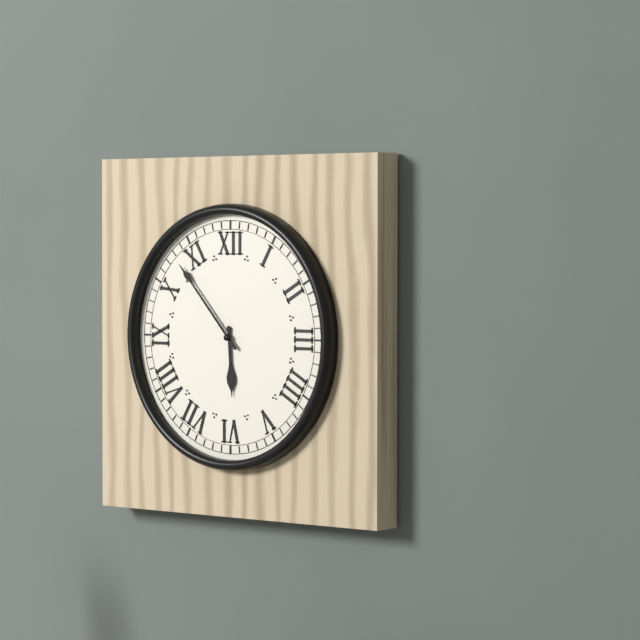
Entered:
5:53
